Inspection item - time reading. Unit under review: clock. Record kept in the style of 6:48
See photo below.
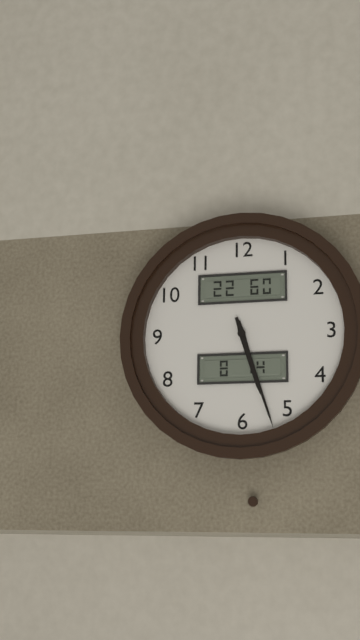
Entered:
5:27
